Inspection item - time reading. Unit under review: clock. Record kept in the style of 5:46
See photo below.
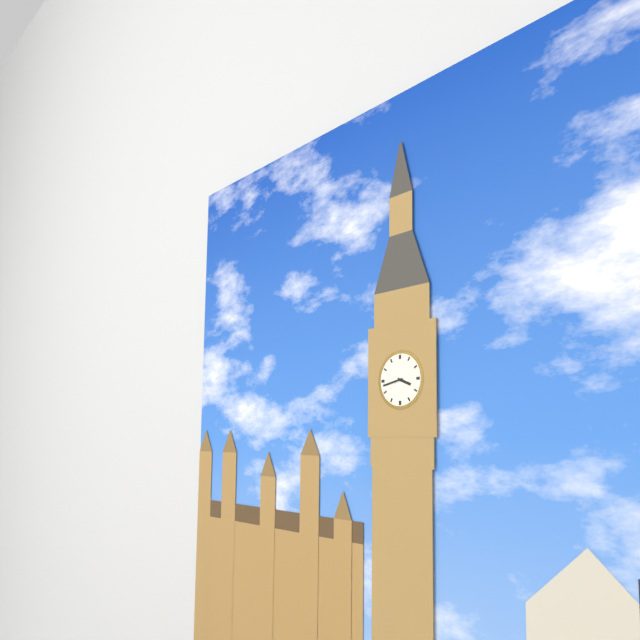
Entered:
3:43
